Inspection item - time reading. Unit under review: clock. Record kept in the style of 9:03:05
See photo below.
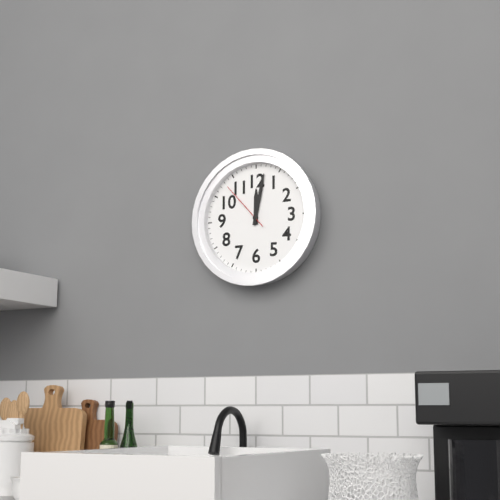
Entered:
12:02:53
